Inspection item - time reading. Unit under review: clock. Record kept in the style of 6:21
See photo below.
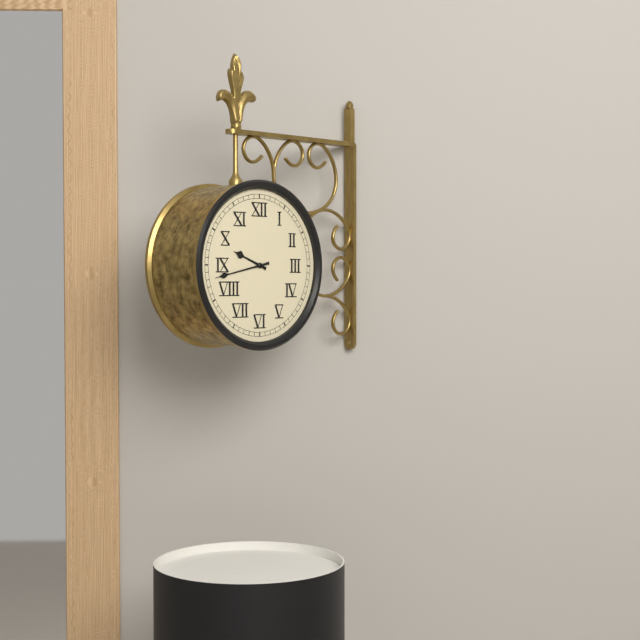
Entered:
9:43
